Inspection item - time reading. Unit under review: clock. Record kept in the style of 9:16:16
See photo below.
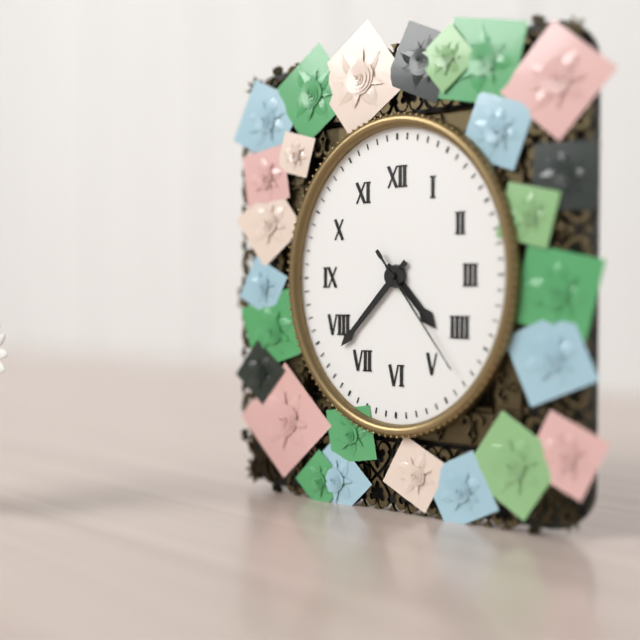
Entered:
4:37:24
